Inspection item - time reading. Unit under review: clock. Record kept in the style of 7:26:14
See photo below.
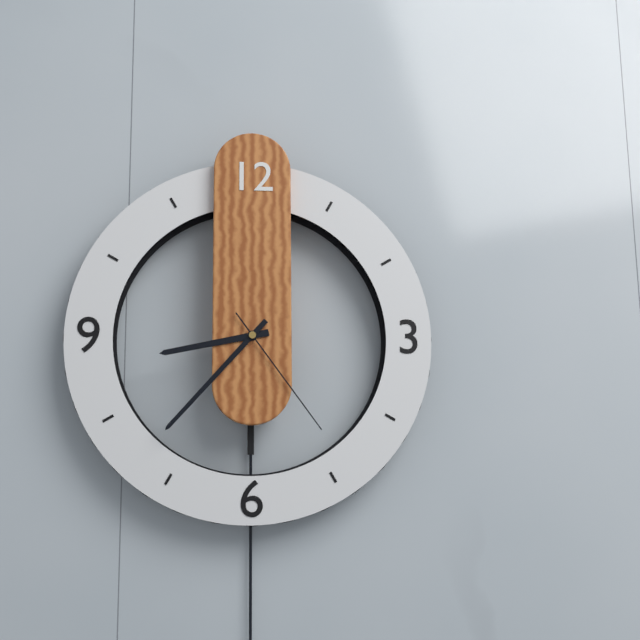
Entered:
8:37:24
